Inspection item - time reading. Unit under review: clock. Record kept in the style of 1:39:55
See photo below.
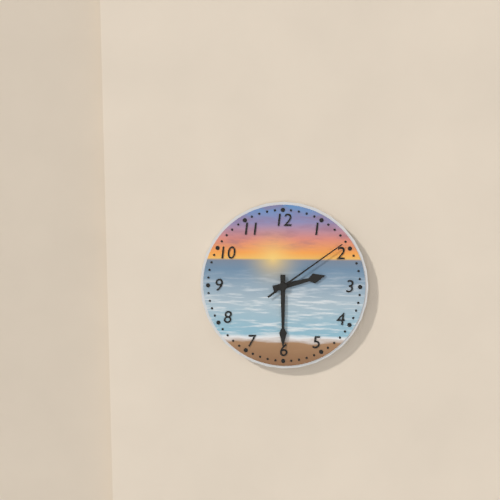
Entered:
2:30:09
